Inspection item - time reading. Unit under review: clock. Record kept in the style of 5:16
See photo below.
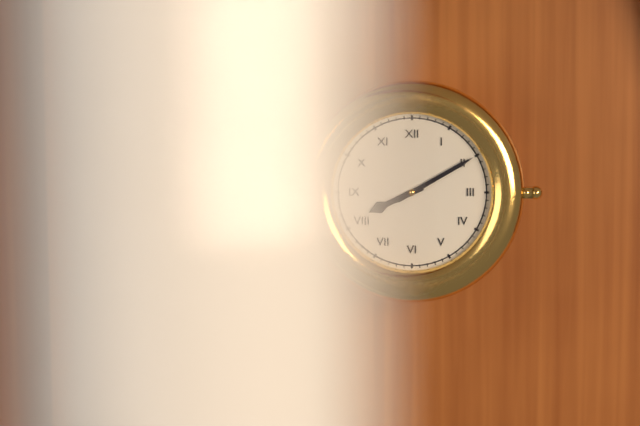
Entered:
8:10
